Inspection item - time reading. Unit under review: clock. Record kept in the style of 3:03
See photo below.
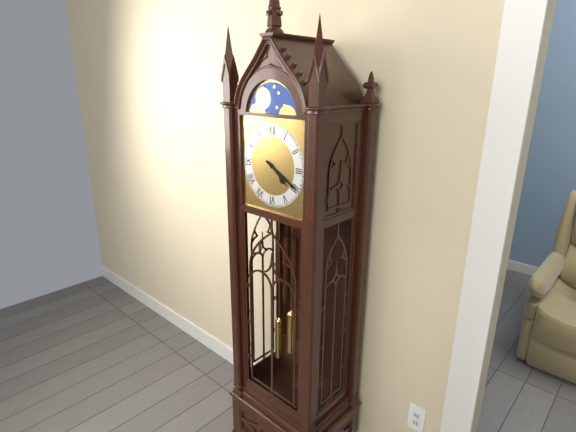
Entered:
4:20
